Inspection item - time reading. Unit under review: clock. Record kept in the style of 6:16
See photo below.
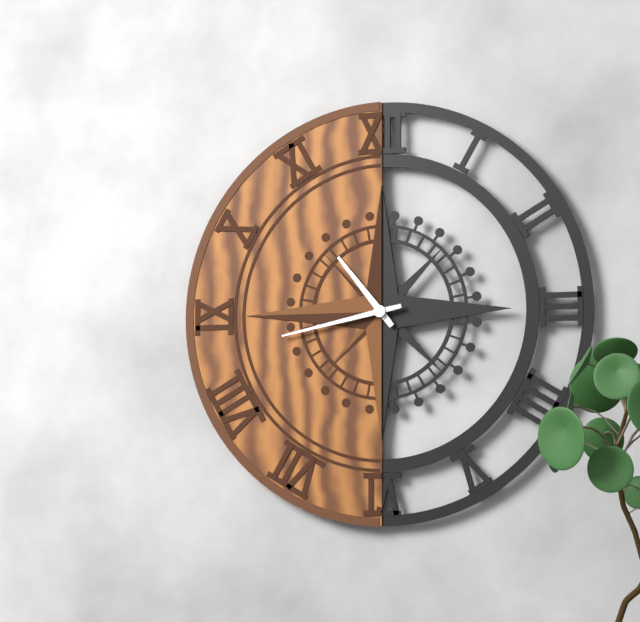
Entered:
10:43
